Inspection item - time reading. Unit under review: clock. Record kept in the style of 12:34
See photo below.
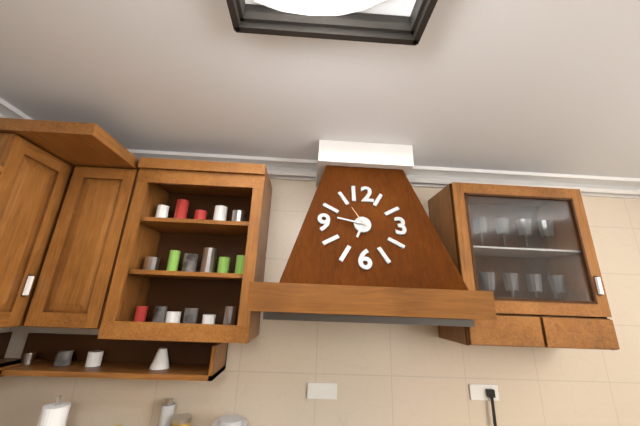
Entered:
6:47
